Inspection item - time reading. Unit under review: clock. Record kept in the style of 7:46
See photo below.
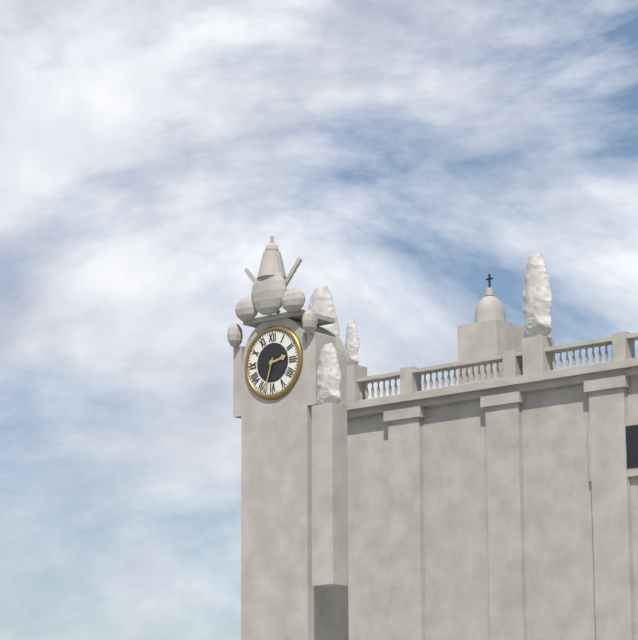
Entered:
2:33
